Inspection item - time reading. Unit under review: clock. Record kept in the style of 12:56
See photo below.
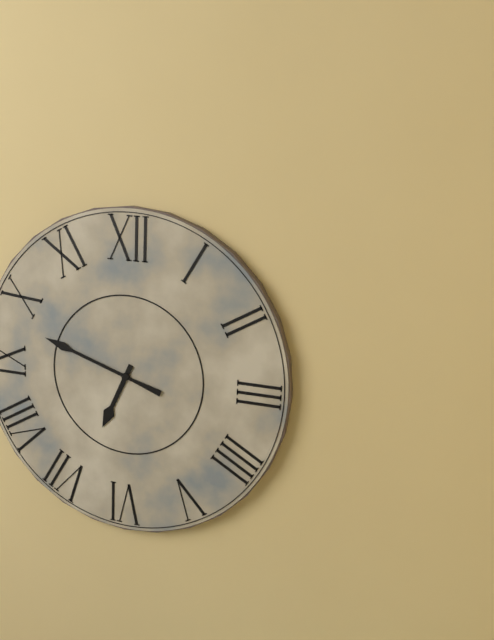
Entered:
6:48
